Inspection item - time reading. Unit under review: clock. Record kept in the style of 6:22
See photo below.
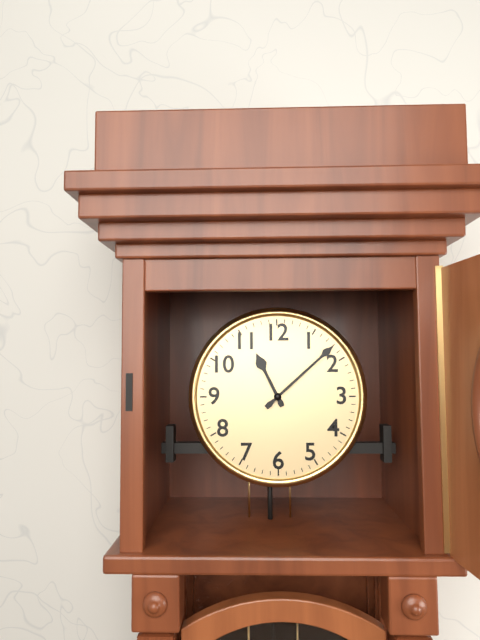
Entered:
11:08
